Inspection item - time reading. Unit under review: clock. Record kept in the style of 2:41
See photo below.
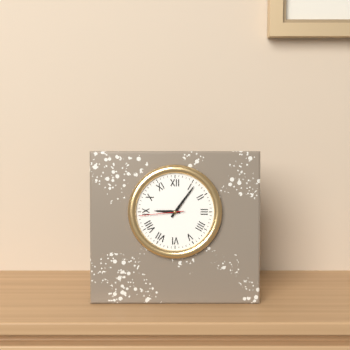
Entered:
9:06
